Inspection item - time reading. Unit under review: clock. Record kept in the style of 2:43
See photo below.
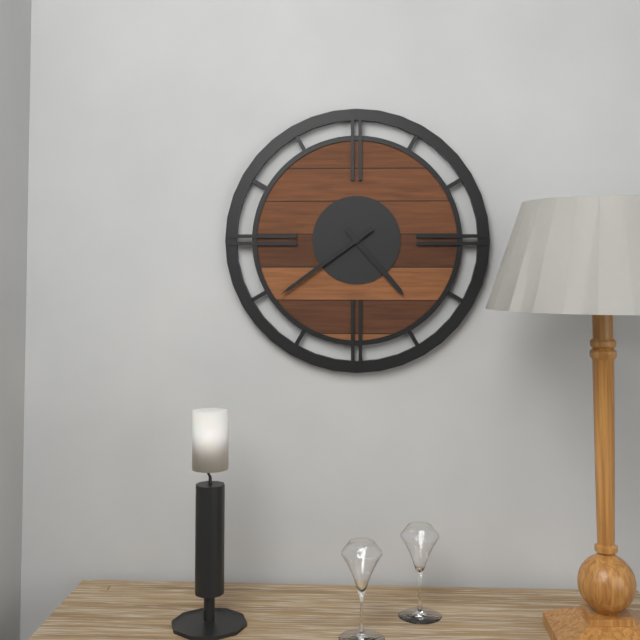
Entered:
4:39
